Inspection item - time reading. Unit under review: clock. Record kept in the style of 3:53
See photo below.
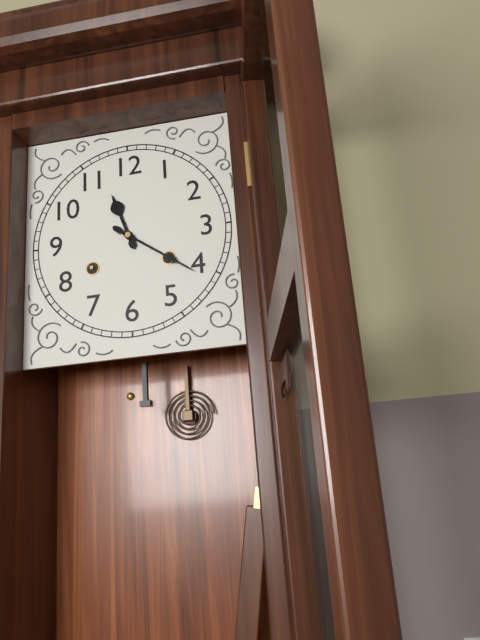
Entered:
11:21
